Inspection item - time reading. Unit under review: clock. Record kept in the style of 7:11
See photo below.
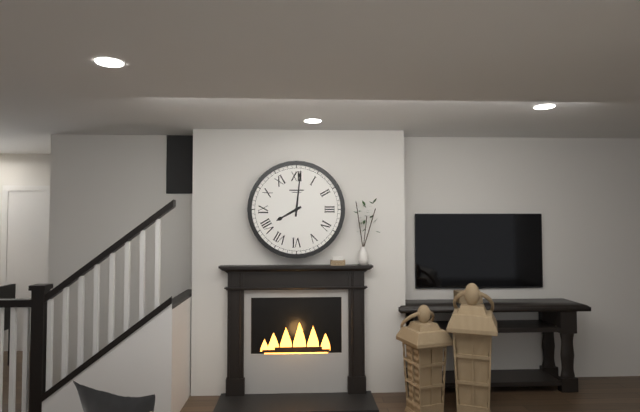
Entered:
8:01
